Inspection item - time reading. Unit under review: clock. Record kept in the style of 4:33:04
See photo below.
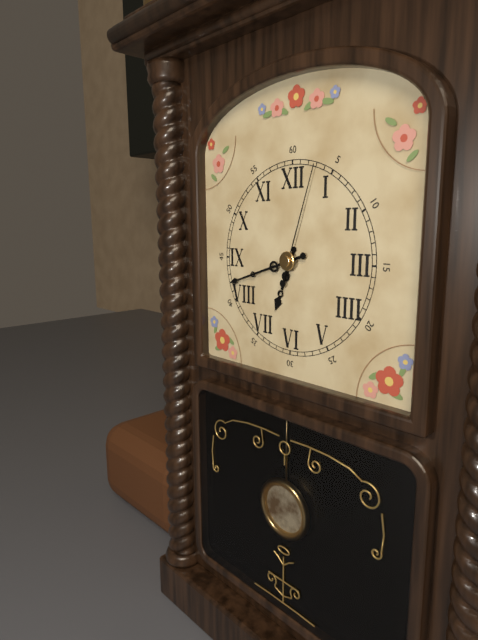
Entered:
6:42:03
